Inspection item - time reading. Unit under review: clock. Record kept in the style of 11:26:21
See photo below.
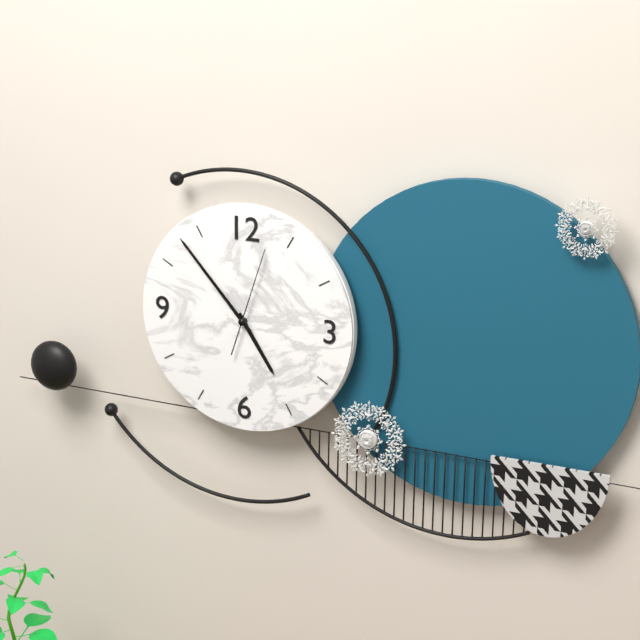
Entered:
4:53:03
